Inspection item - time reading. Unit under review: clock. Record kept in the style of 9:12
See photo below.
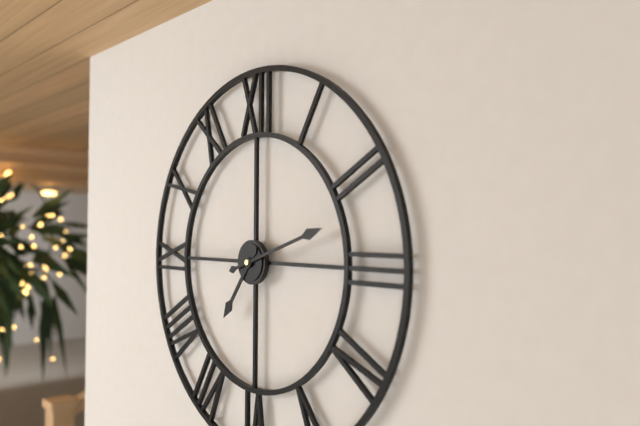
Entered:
7:12
